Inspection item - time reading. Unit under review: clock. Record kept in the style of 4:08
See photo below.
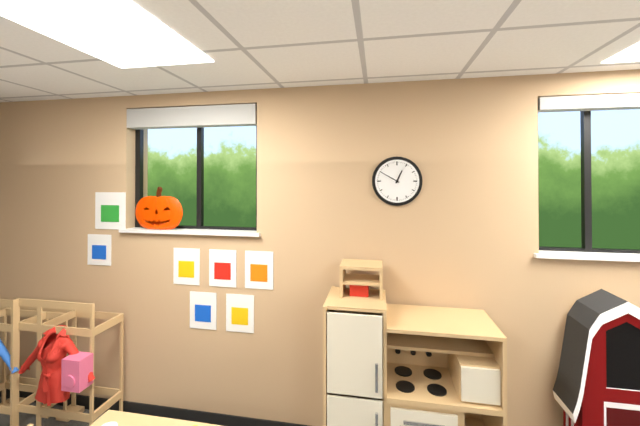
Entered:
12:50
